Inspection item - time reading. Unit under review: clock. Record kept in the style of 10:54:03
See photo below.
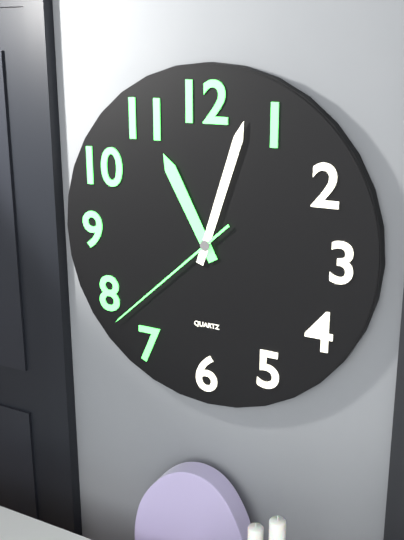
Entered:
11:03:38
